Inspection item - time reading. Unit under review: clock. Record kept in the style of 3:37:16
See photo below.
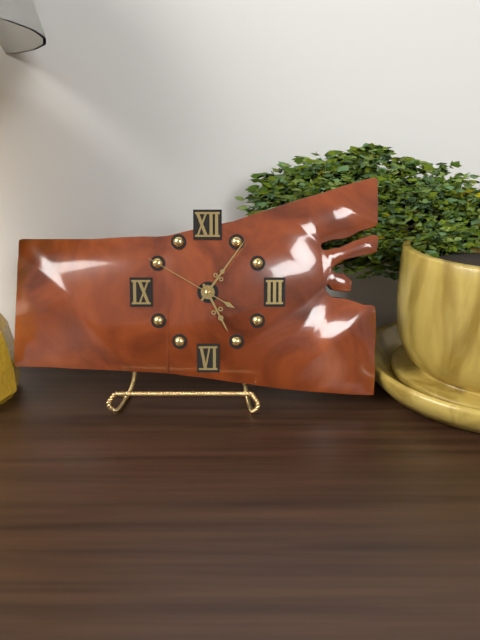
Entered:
5:06:50
